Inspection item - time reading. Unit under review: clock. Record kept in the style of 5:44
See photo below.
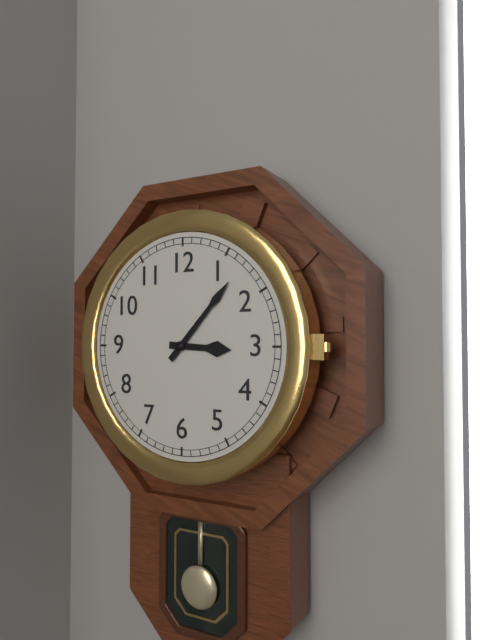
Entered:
3:07
